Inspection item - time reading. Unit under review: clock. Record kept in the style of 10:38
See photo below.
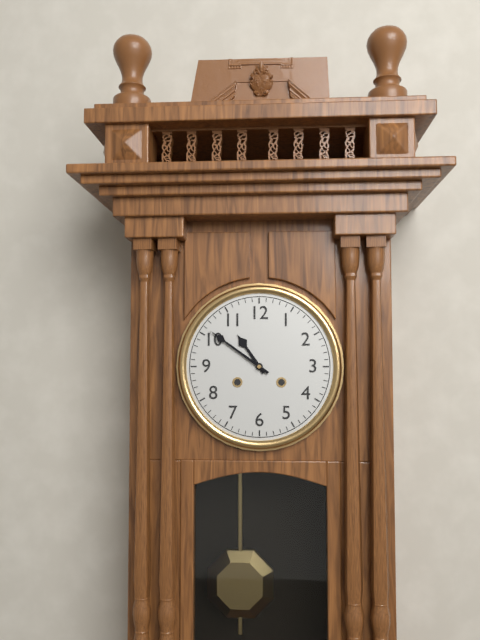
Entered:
10:51
